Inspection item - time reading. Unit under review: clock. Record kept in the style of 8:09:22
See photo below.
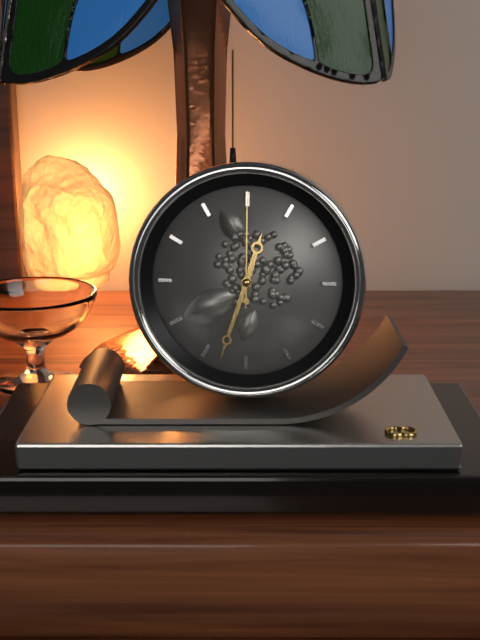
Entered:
12:33:00
